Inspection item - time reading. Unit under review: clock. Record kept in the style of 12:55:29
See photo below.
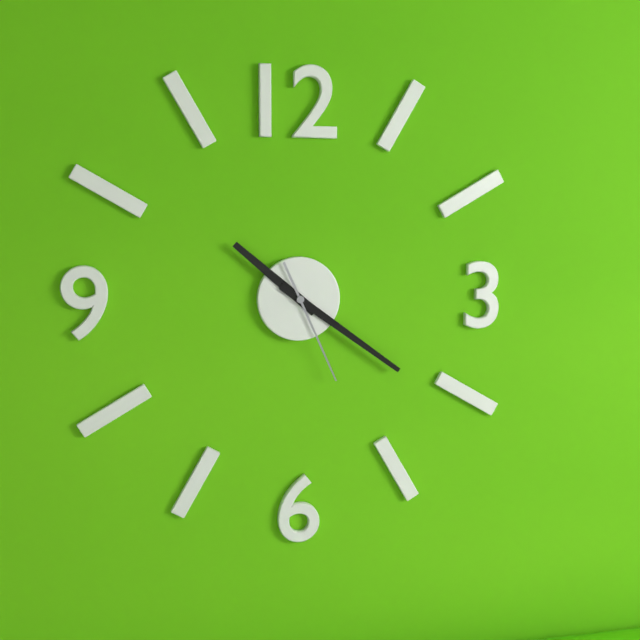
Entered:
10:21:26
